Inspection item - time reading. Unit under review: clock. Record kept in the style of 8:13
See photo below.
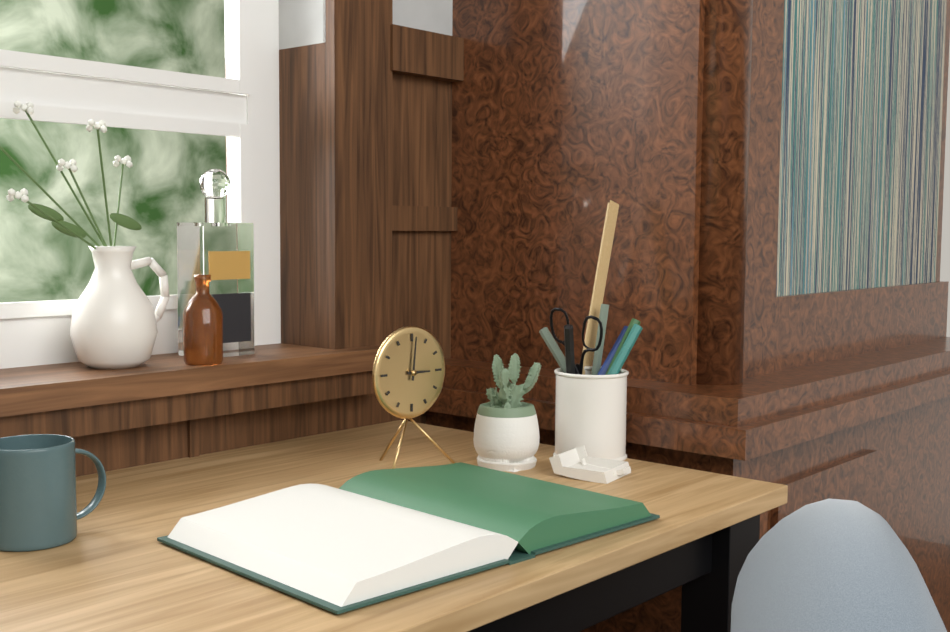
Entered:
3:01
